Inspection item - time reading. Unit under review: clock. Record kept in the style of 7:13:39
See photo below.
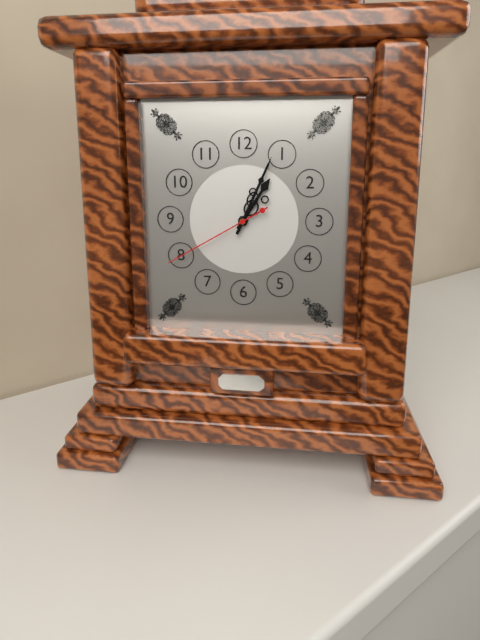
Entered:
1:04:40
